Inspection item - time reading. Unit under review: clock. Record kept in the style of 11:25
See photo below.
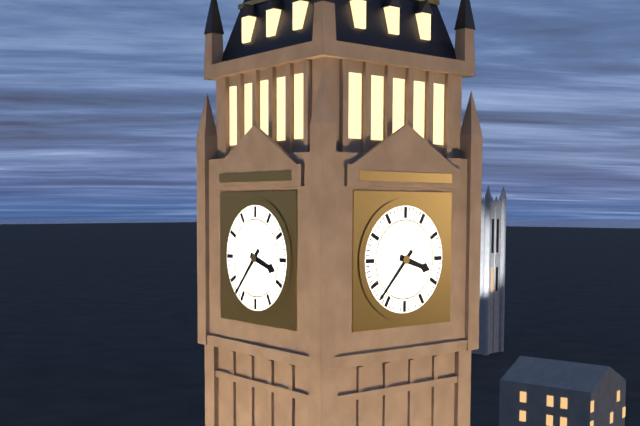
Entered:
3:37
